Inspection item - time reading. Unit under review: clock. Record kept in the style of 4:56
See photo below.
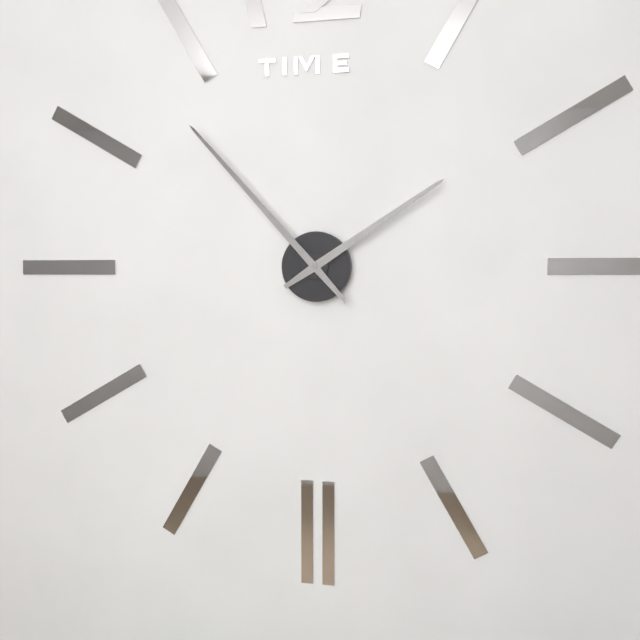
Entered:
1:53
